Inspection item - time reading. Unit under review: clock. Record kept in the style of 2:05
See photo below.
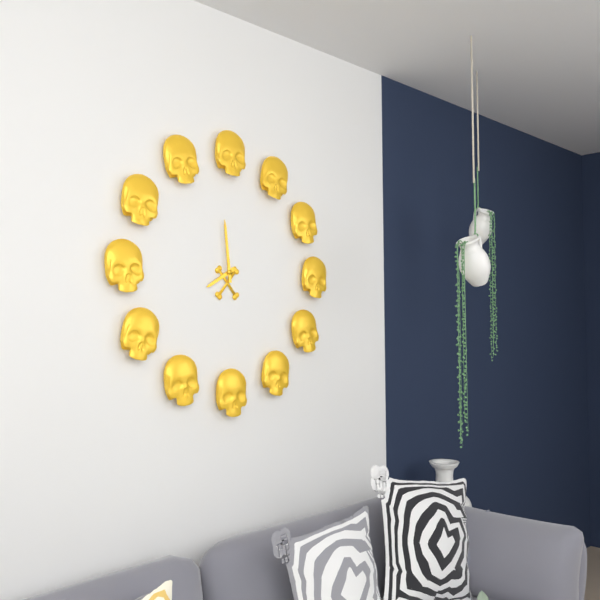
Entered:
7:59
